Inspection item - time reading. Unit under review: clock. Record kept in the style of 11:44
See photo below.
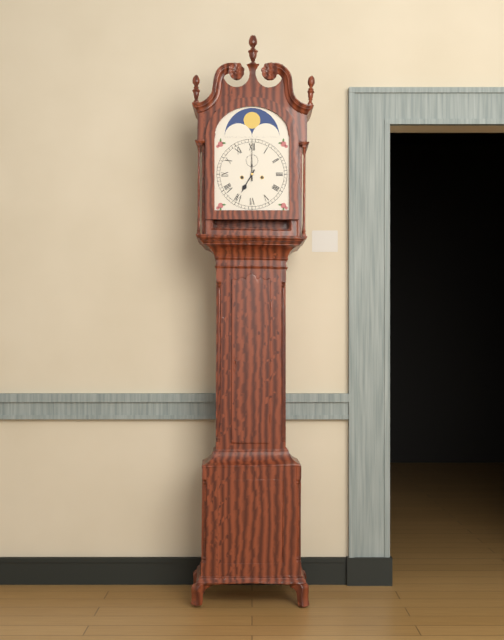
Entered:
7:00
